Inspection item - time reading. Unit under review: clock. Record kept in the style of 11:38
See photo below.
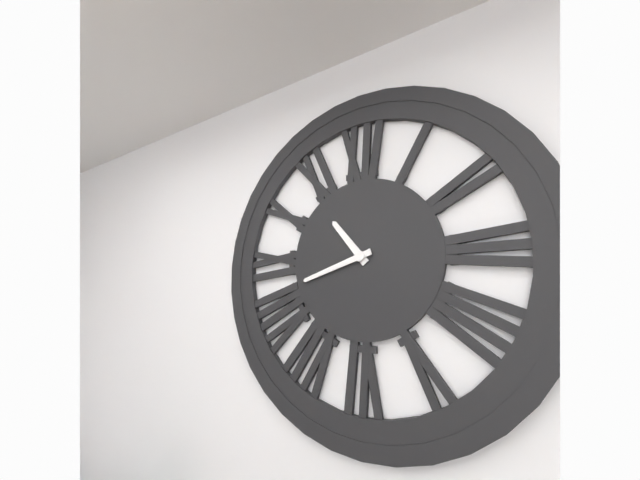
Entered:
10:42
